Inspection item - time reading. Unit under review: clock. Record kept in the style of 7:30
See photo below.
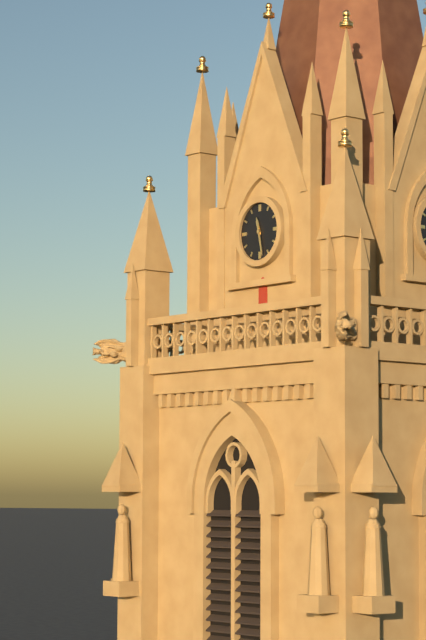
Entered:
11:28
